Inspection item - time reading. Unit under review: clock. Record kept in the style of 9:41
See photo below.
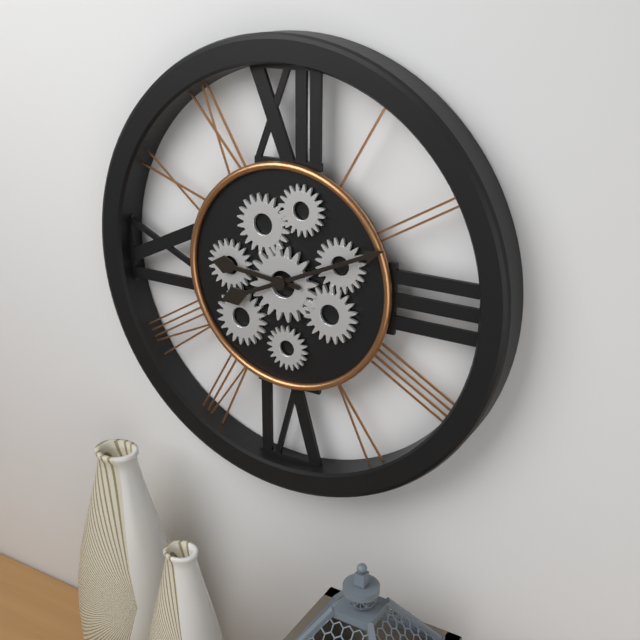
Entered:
9:11
